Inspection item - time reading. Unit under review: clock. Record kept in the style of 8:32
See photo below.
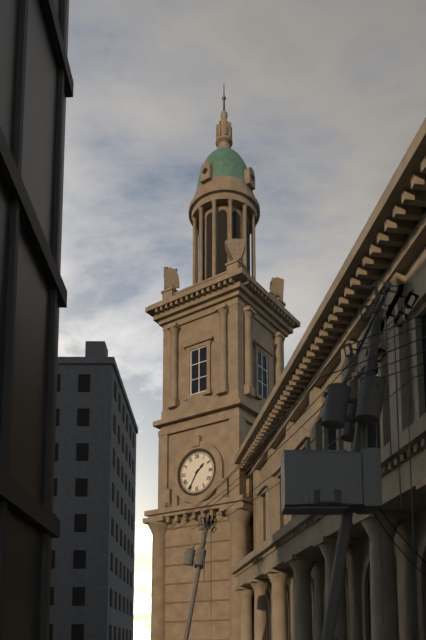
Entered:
1:35
